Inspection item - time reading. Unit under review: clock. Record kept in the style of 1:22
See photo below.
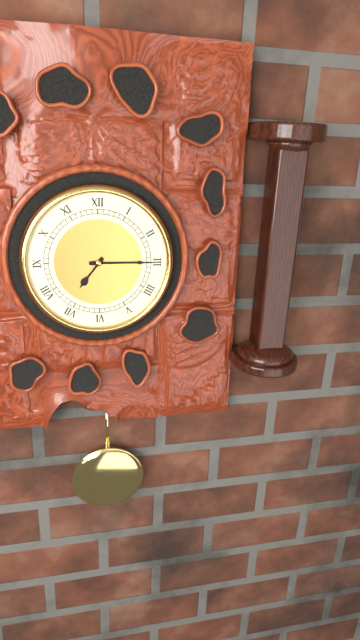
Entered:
7:15
